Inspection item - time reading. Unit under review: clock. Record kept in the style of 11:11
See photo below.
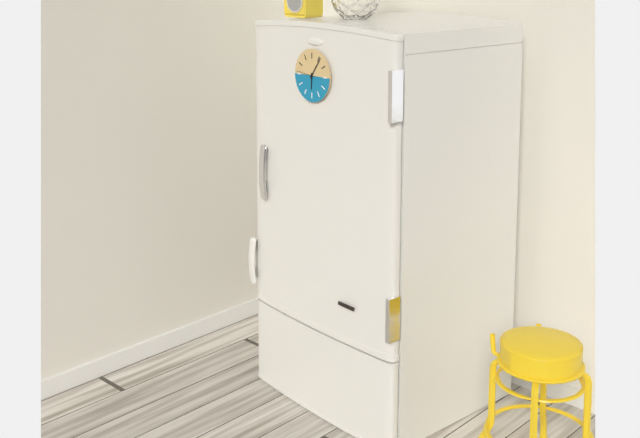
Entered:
6:06
